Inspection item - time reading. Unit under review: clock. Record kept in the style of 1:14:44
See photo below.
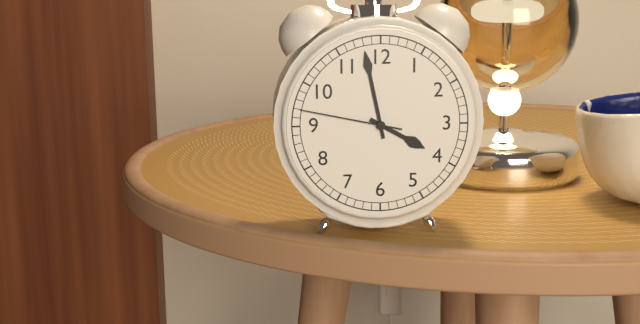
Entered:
3:58:47
